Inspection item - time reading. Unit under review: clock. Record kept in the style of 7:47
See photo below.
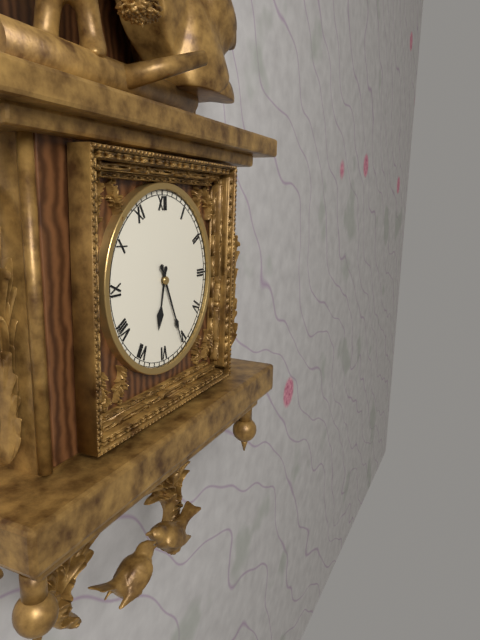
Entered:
6:26
